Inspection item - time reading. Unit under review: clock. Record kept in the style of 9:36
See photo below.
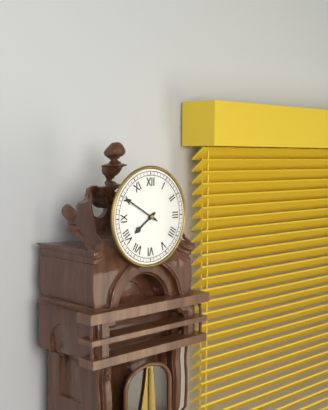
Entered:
7:50
